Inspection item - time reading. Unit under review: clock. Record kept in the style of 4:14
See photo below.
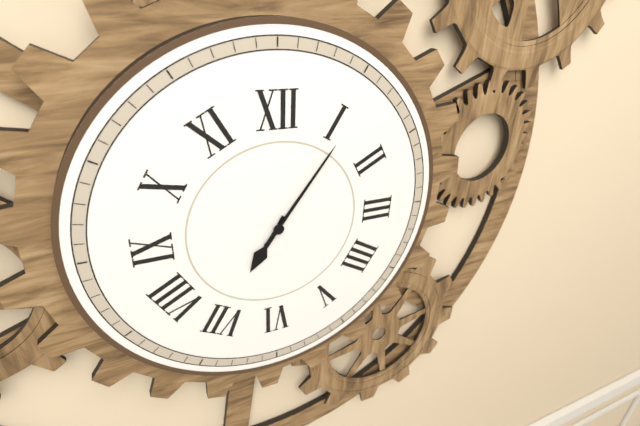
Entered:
7:06
